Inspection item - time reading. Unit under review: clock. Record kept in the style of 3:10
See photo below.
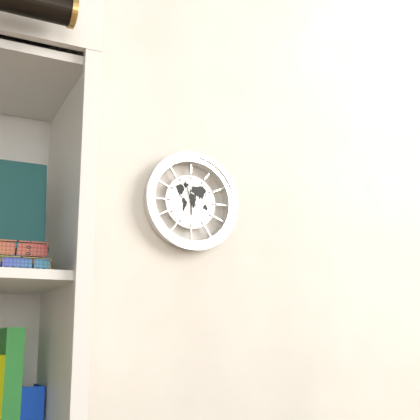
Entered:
5:57
